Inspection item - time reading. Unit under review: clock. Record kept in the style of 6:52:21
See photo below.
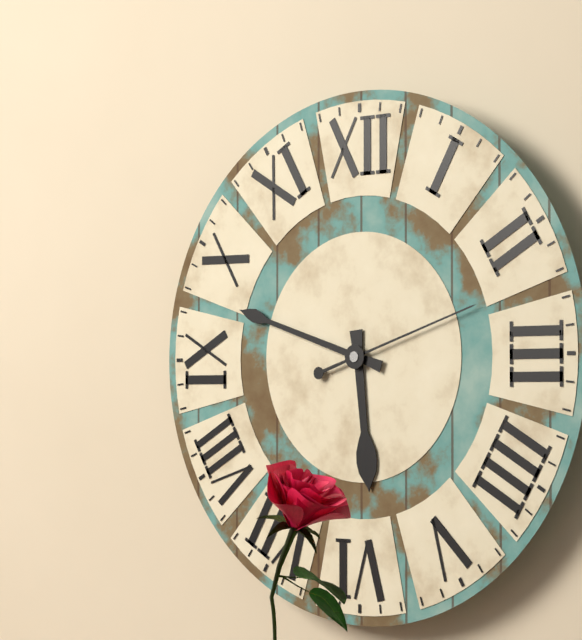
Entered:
5:48:12
